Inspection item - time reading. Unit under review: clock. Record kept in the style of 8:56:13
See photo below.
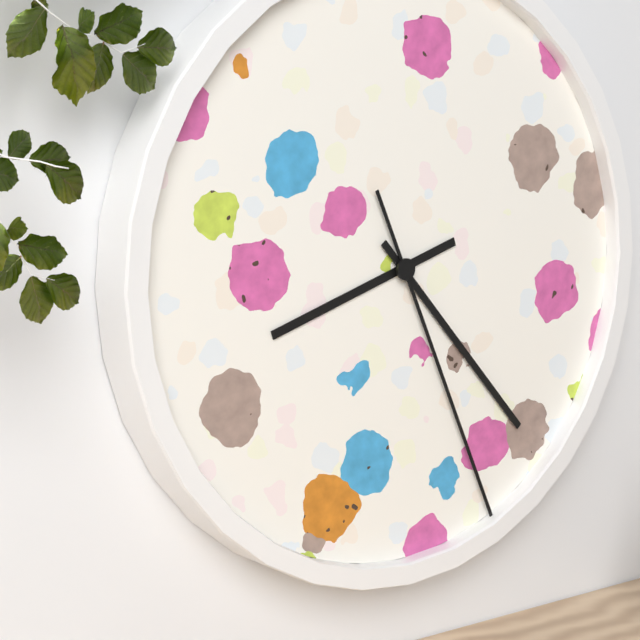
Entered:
8:23:26
